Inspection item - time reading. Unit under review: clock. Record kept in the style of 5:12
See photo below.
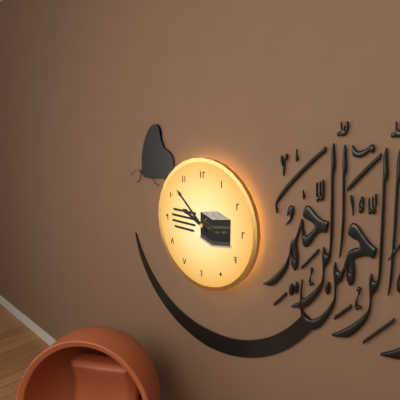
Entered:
9:52
